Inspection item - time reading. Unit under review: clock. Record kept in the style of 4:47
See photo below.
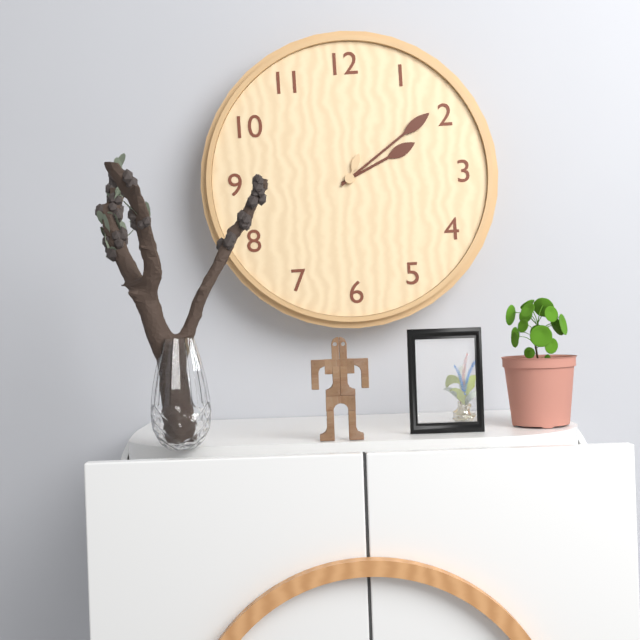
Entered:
2:09
